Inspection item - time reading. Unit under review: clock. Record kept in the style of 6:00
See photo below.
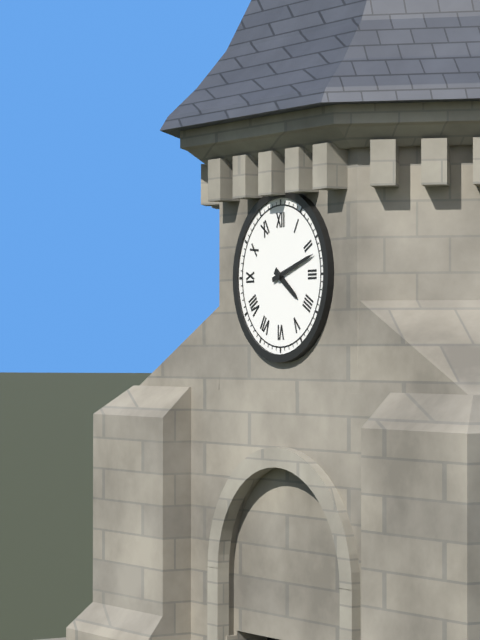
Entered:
4:12
